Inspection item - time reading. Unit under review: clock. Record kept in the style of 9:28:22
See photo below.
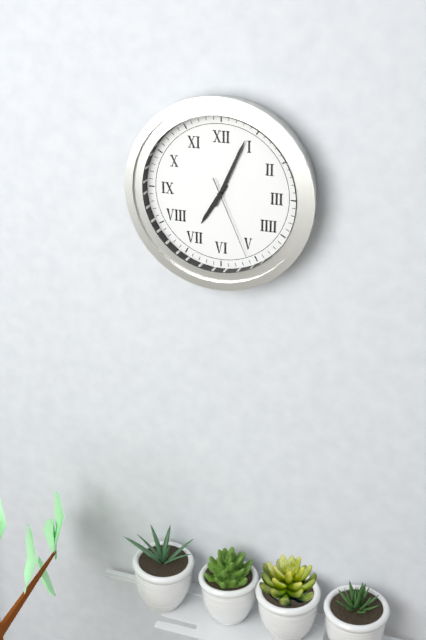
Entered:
7:04:26
